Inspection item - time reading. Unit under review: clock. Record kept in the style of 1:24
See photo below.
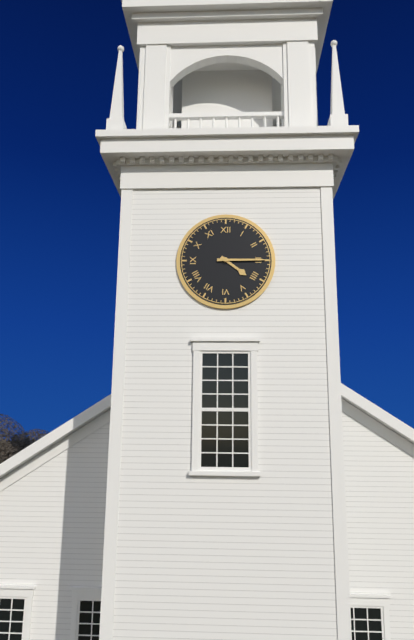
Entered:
4:15
